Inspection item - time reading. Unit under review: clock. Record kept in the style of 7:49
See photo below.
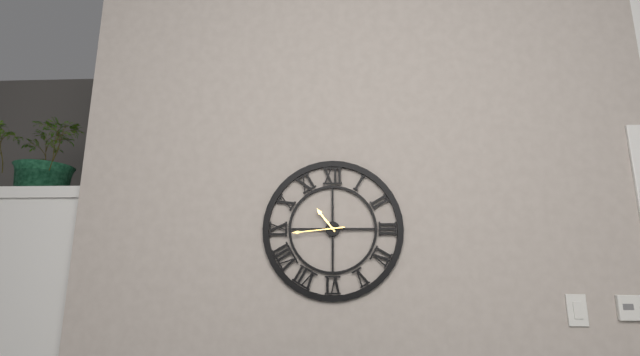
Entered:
10:44
